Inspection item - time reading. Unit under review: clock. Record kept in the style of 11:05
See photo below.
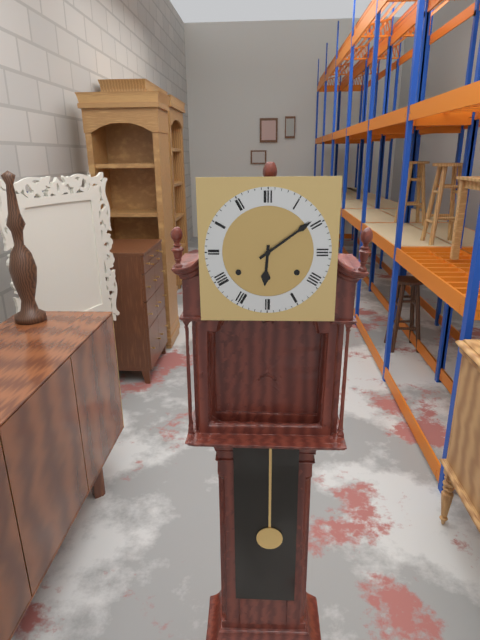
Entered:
6:09
